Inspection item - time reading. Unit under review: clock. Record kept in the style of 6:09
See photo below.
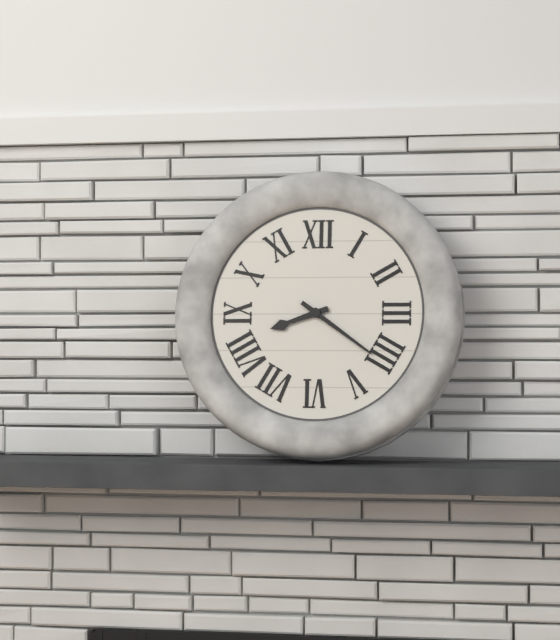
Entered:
8:21
